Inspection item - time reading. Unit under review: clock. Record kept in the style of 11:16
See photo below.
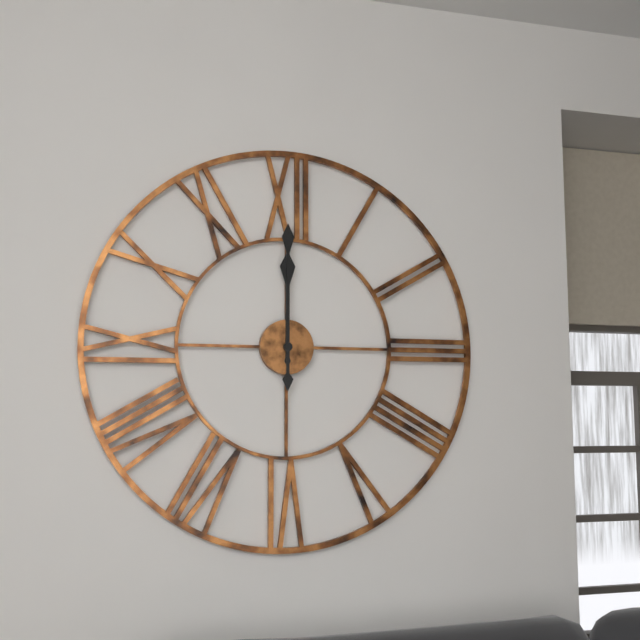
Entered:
12:00
